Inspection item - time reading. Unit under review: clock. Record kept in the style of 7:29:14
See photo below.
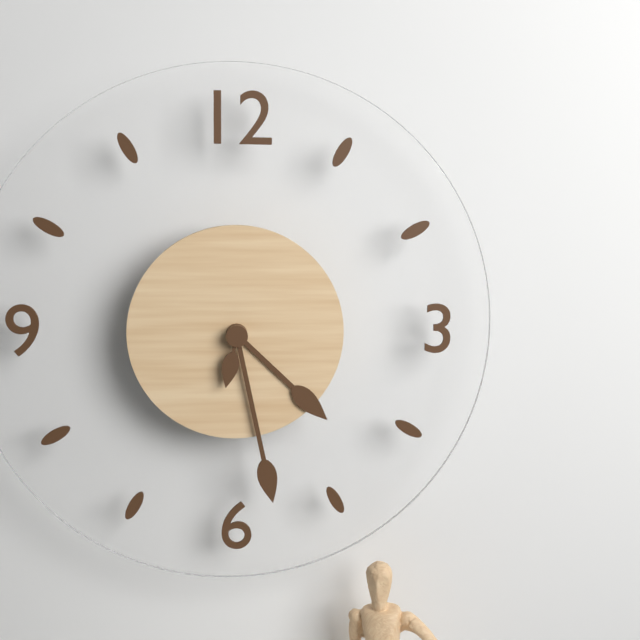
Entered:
4:28:32
